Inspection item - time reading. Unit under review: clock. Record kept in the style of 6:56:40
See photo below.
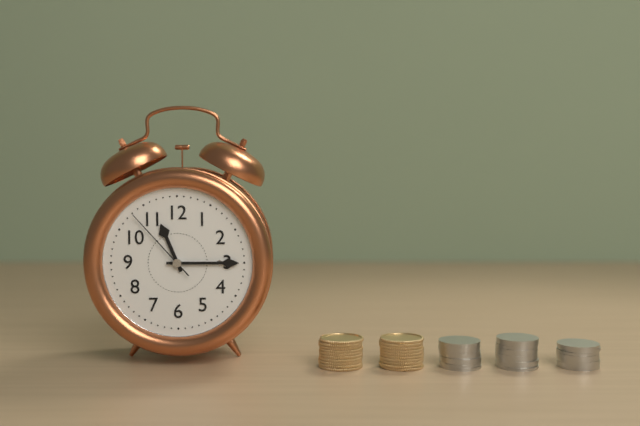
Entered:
11:15:53
